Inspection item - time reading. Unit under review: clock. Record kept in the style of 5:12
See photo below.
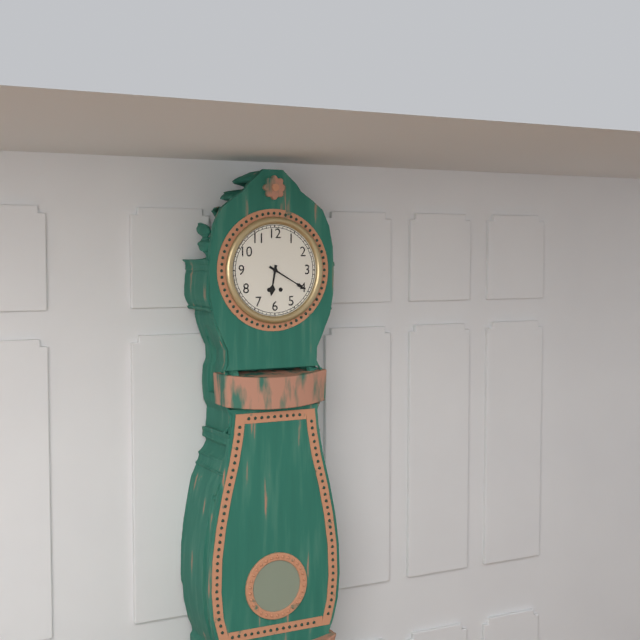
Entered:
6:20
